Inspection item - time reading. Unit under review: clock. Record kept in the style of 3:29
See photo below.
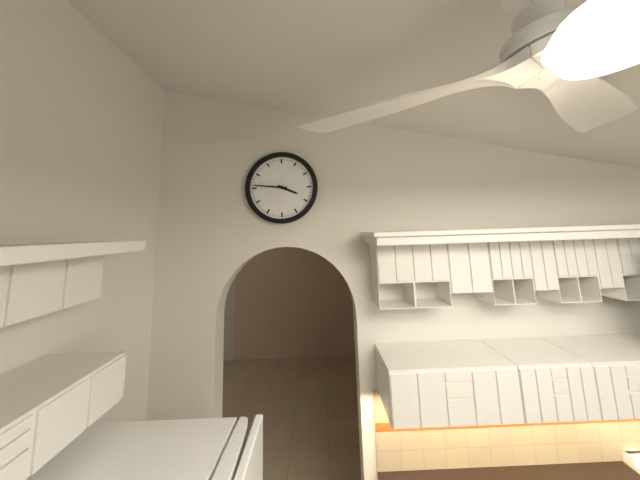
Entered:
3:46
